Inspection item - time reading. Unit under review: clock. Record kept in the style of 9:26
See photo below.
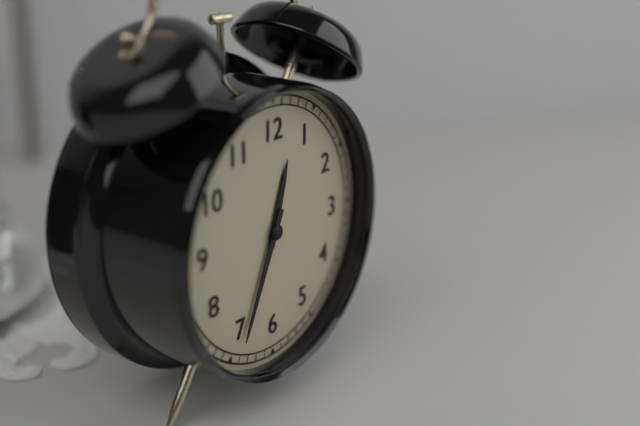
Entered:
12:34
